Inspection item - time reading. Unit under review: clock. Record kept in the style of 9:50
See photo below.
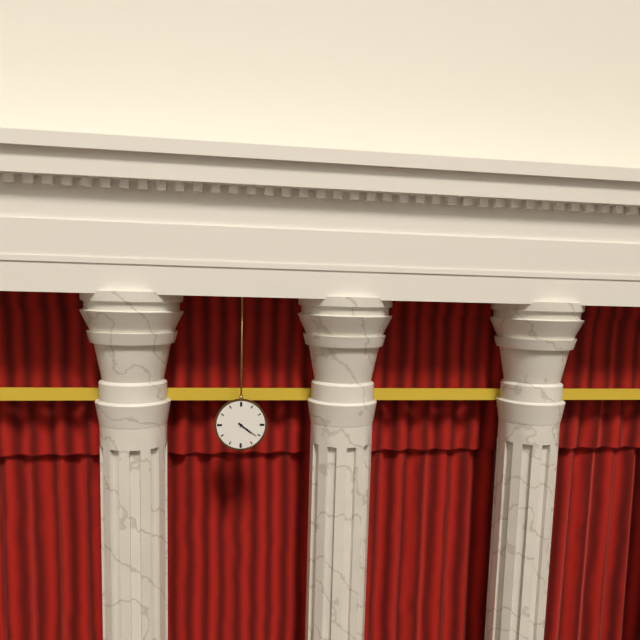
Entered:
4:21
